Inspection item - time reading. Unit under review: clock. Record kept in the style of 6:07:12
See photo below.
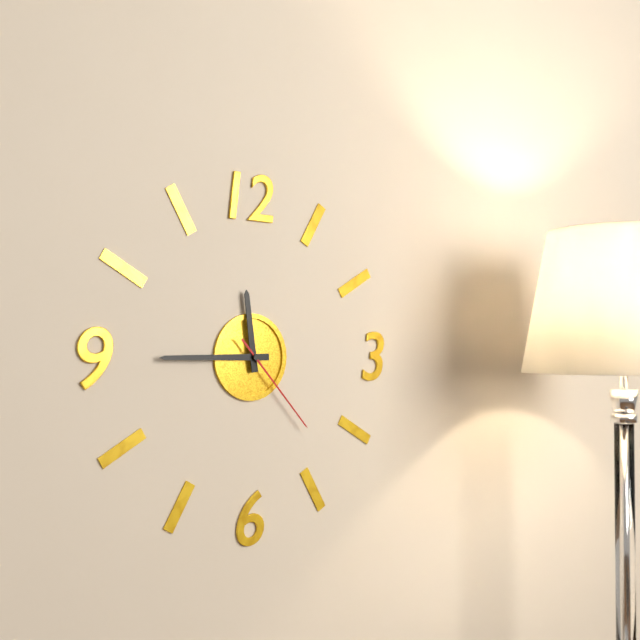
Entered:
11:45:23
